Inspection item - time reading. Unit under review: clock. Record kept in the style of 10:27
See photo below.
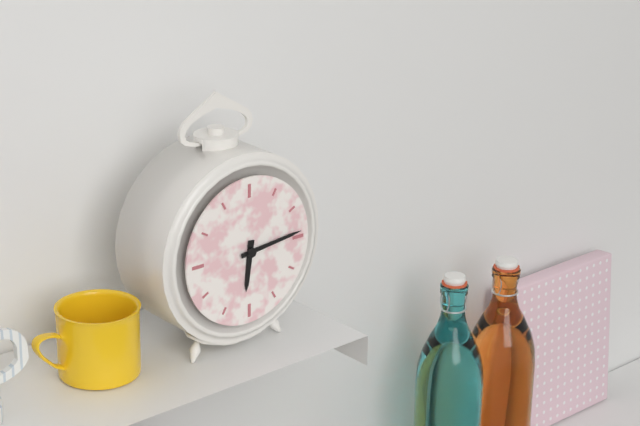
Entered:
6:14
